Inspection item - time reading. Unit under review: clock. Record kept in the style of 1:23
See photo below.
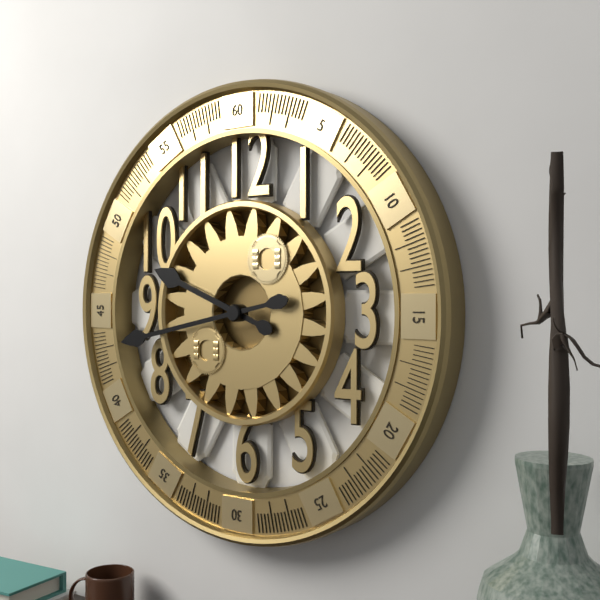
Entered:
9:43
